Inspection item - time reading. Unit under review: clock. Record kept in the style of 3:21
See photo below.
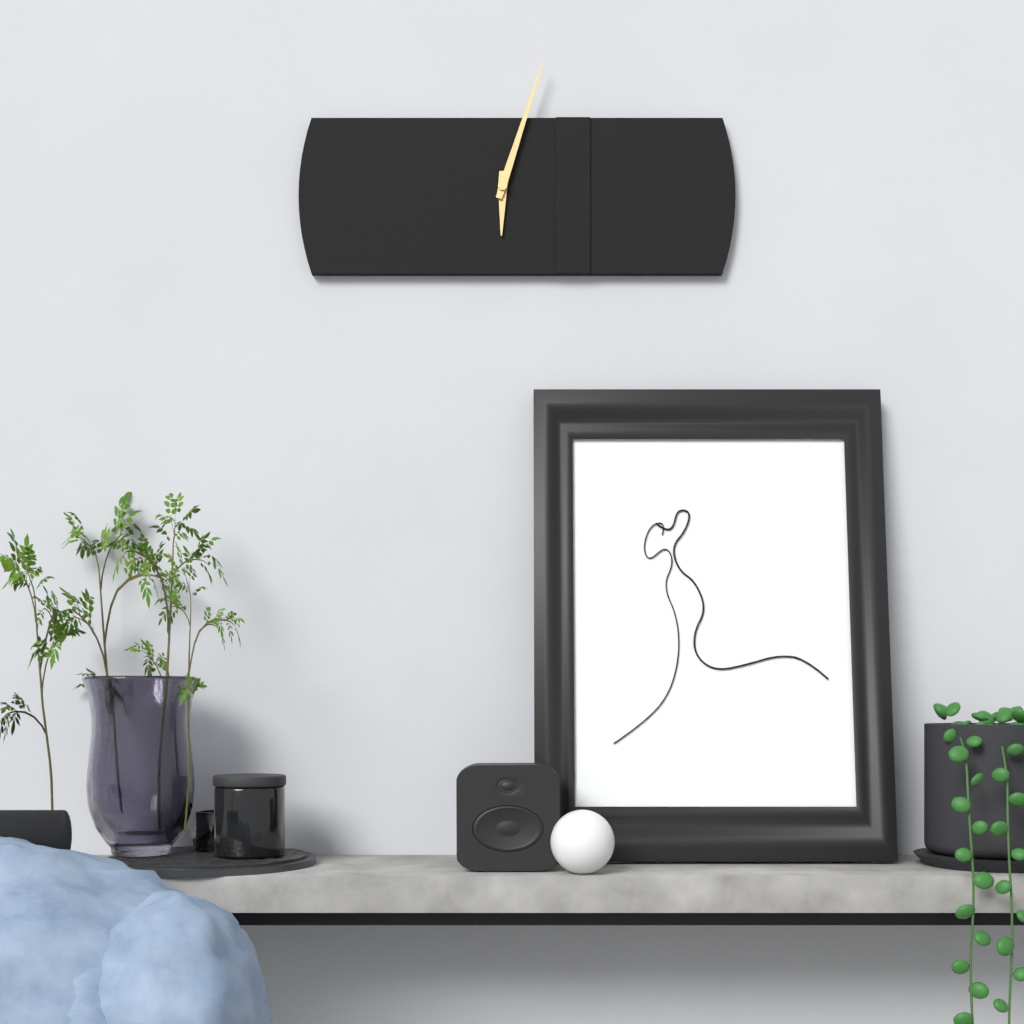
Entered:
6:03
